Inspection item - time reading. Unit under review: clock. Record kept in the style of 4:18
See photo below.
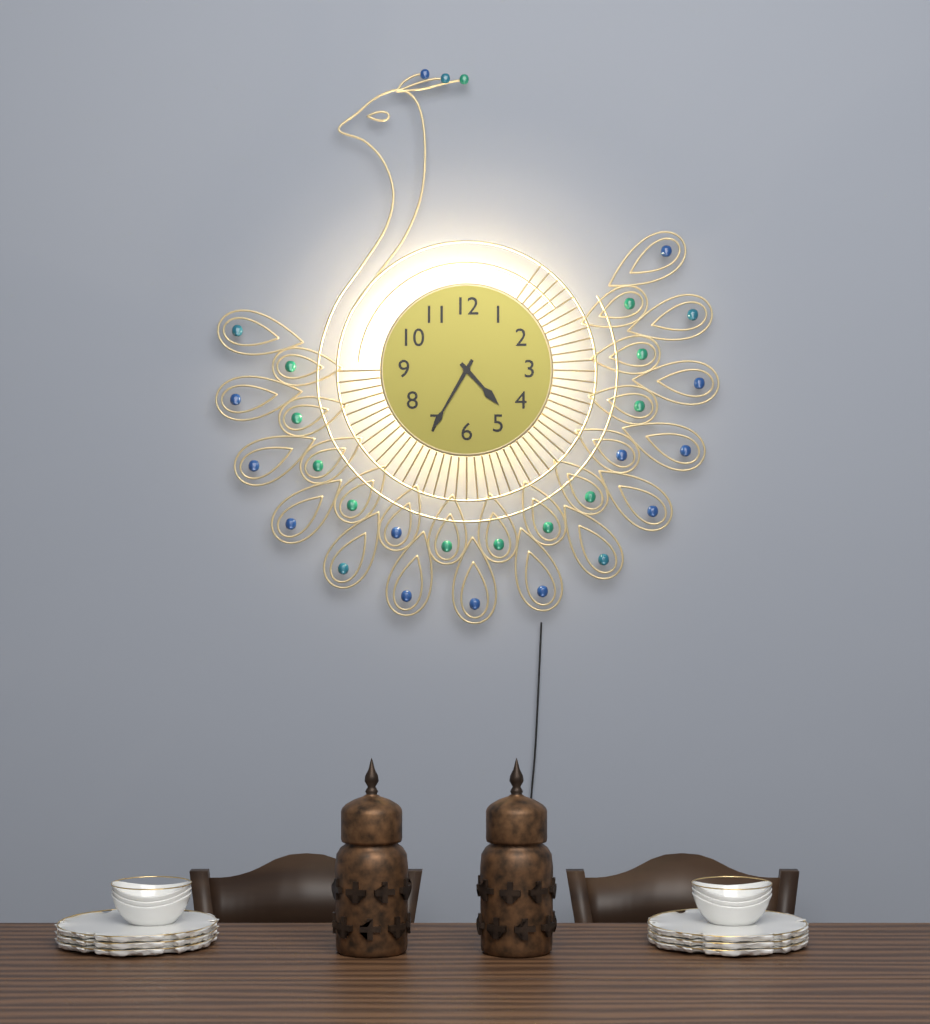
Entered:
4:35
